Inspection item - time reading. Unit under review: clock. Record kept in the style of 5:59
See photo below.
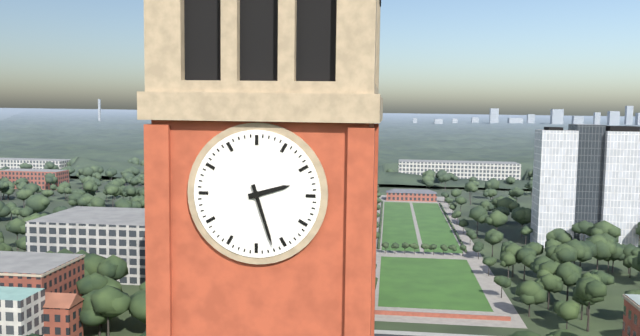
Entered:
2:27
